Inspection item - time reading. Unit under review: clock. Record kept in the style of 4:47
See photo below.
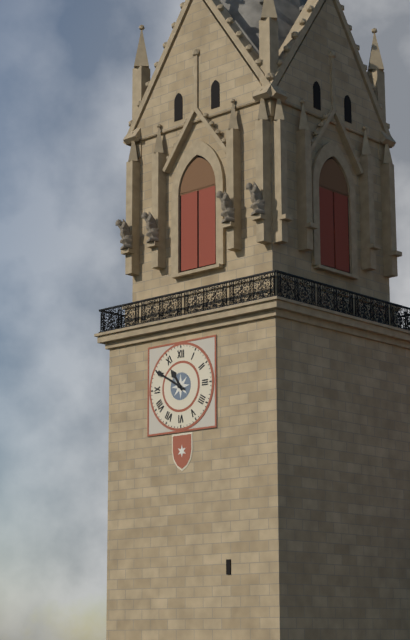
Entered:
10:50
